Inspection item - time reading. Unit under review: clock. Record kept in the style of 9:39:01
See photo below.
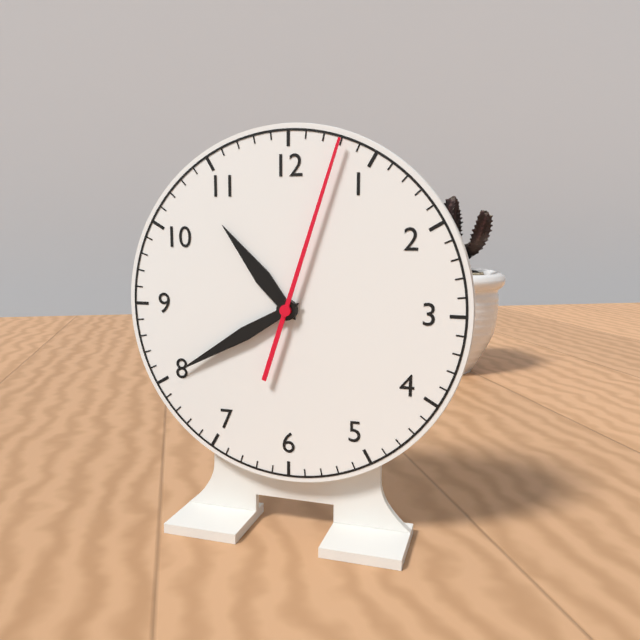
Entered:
10:40:03
